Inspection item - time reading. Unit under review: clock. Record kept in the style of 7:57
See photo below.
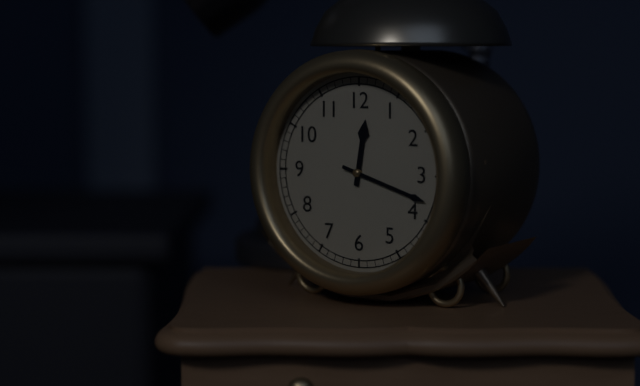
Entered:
12:18
